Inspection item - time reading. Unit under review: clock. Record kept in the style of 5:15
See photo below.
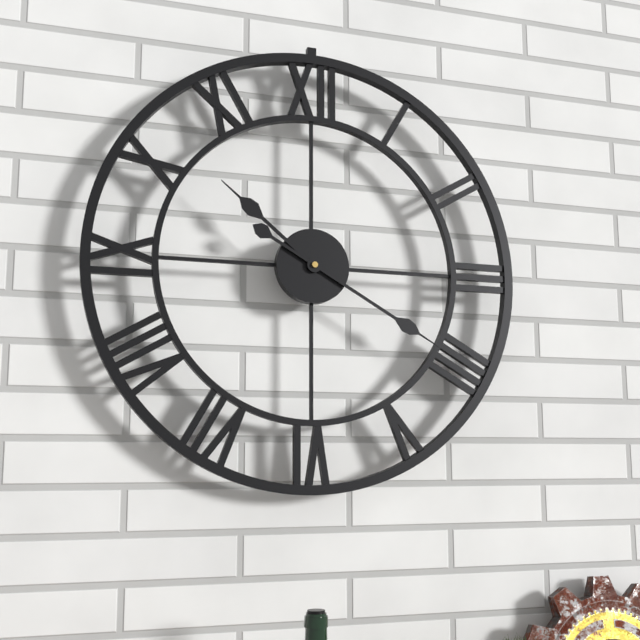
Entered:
10:20
